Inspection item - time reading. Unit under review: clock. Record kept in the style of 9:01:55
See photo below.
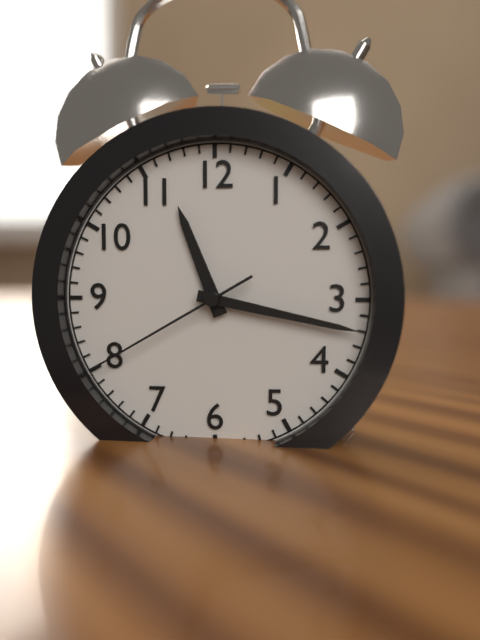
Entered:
11:17:40
